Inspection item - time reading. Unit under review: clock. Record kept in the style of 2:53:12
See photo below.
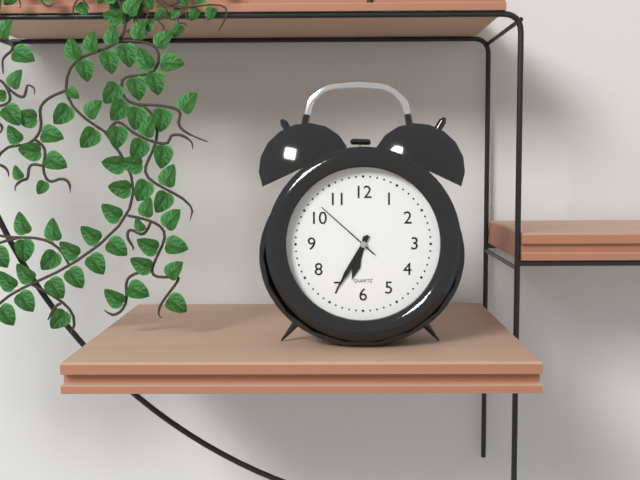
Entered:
6:35:52
